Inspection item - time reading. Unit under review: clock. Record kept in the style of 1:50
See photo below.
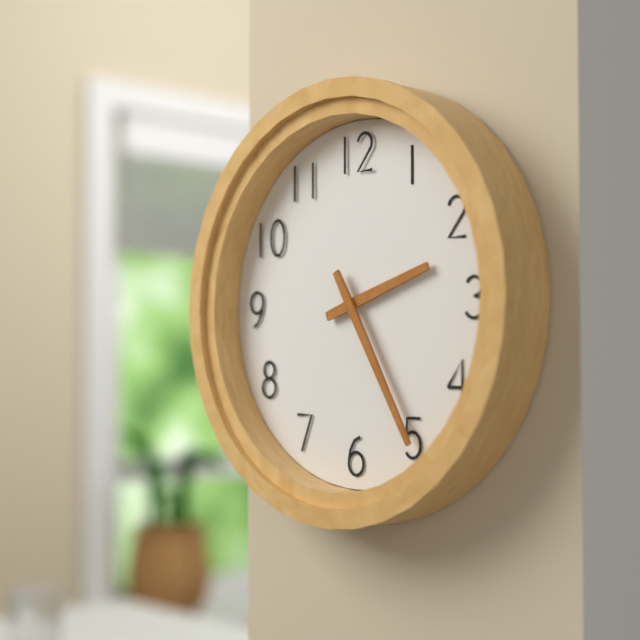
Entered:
2:25
